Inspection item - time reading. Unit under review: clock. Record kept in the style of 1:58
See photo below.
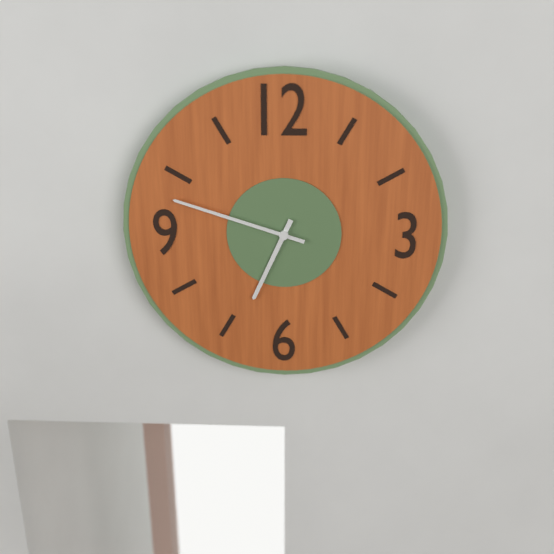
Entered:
6:48
